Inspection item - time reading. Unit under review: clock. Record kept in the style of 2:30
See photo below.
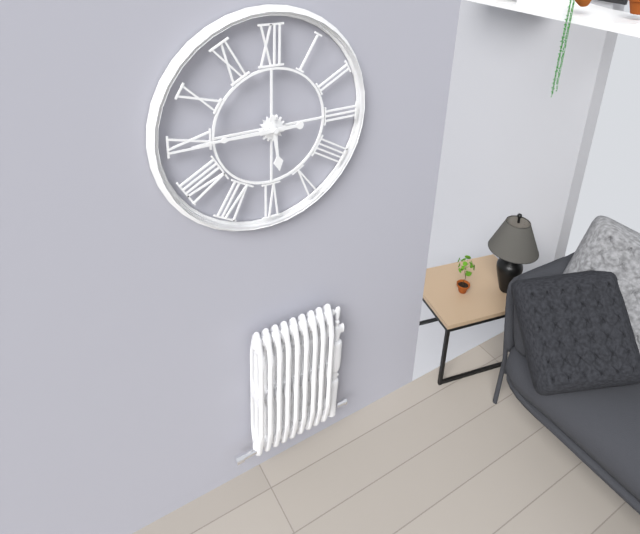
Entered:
5:45
